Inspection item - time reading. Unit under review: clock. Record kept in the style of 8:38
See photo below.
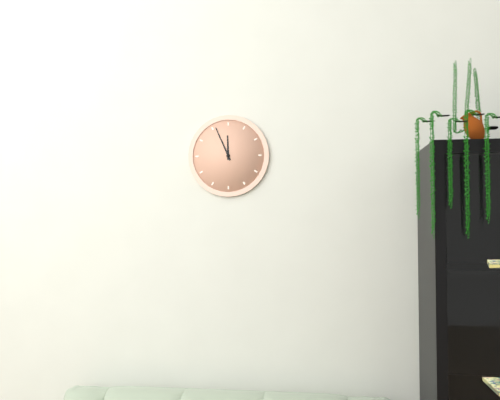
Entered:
11:56
